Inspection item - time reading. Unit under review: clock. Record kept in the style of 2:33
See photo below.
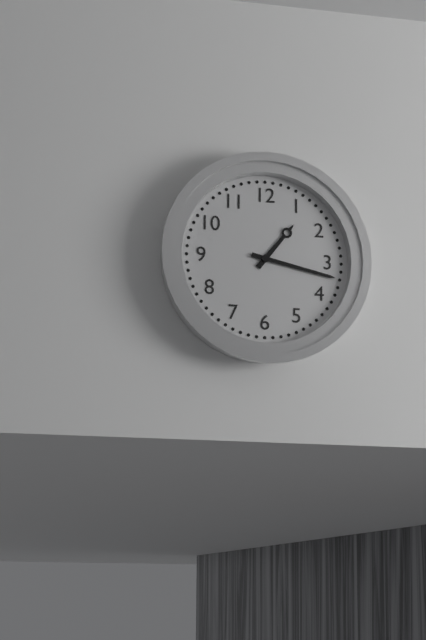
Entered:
1:17
